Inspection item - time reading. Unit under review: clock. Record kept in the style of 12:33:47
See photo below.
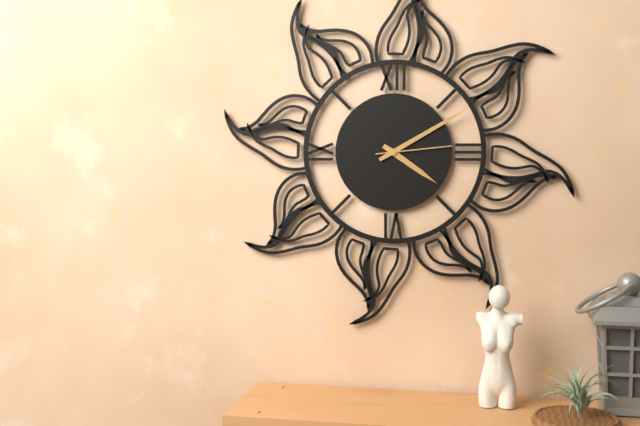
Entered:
4:10:14
